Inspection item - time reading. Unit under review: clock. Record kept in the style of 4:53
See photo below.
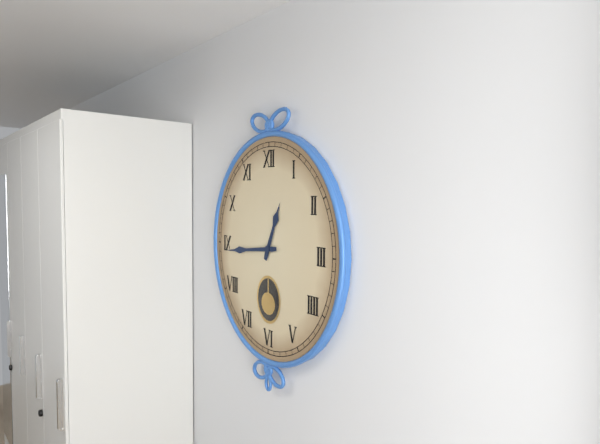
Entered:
12:44
